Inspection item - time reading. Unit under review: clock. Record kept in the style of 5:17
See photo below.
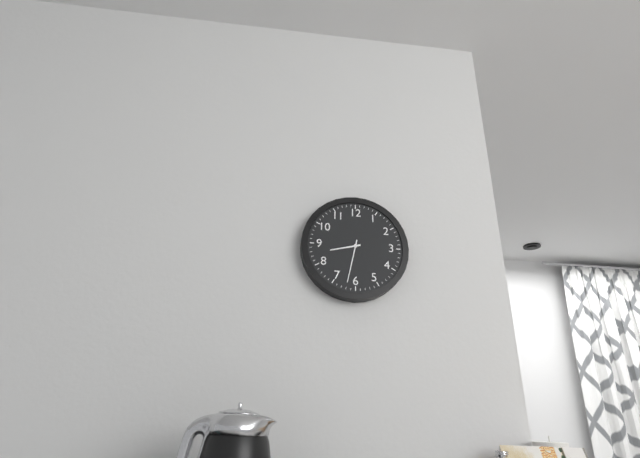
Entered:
8:32
